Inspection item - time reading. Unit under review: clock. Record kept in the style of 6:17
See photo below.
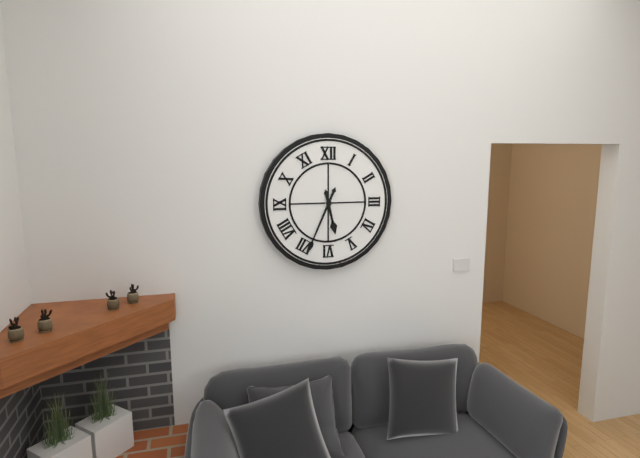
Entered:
5:34
